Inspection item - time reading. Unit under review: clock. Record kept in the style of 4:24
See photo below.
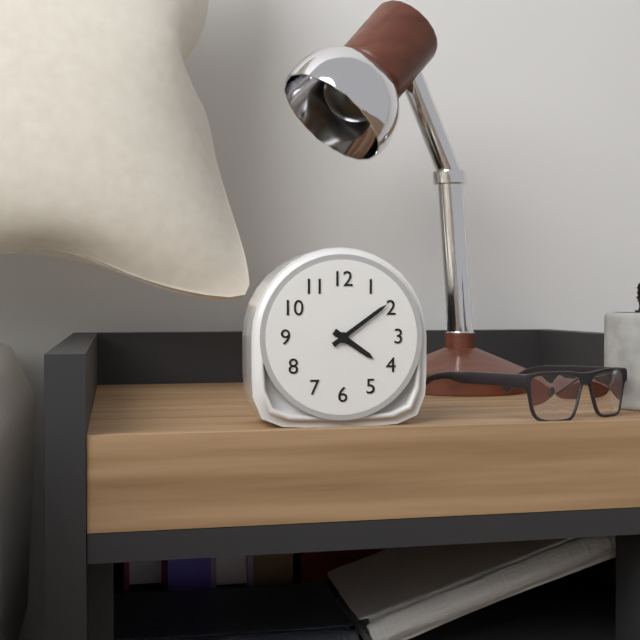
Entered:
4:09
